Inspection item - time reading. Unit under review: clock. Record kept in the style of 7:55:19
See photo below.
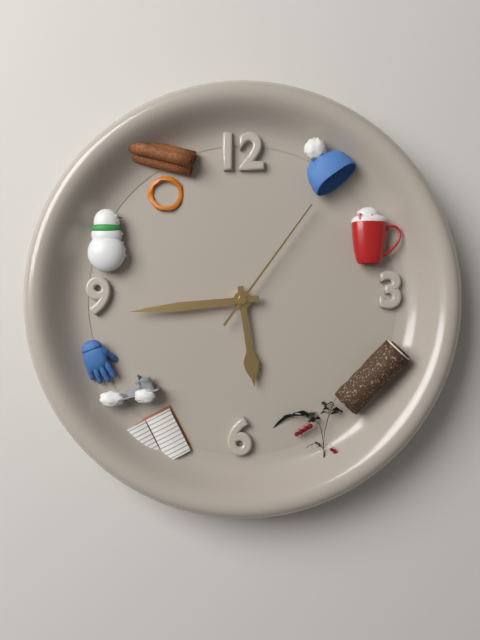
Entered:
5:44:06
